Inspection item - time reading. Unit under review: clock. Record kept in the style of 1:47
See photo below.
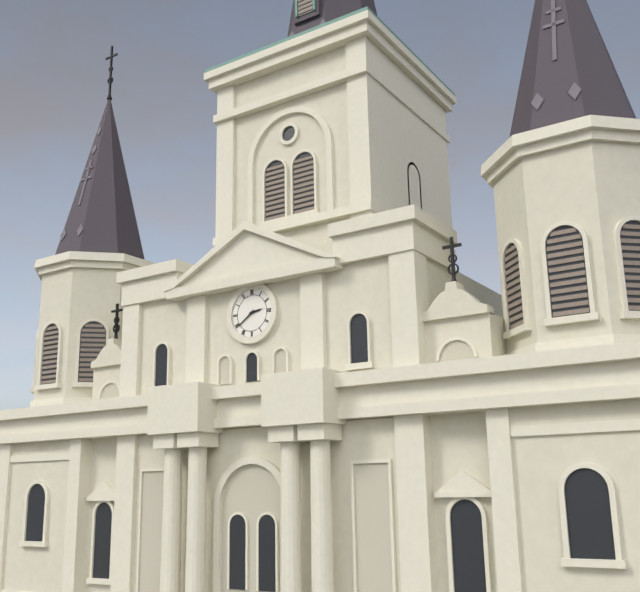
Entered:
2:39
